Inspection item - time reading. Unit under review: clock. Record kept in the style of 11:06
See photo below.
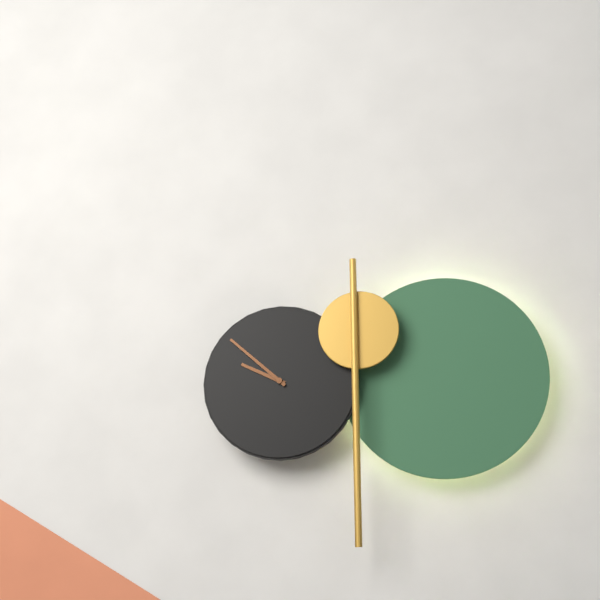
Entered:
9:52
